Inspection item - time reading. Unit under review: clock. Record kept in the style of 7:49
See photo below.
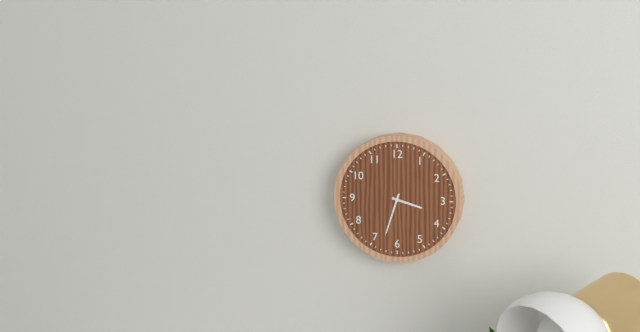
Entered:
3:33
